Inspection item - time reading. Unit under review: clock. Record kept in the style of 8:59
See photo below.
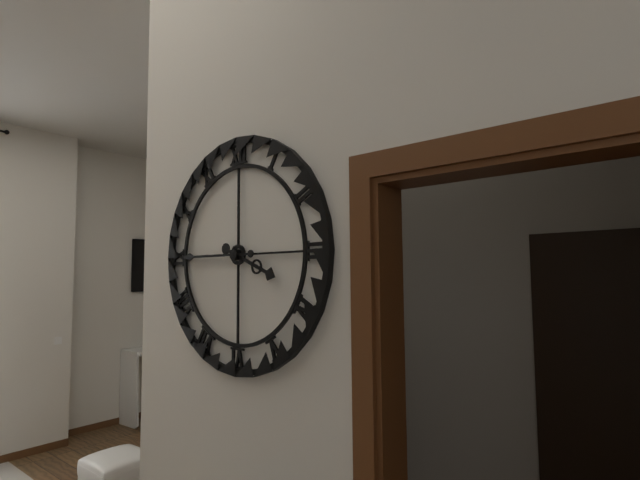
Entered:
3:45
